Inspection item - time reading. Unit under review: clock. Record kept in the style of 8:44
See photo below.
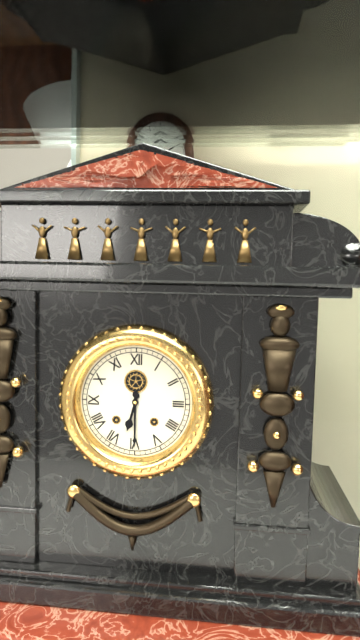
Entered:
6:30
